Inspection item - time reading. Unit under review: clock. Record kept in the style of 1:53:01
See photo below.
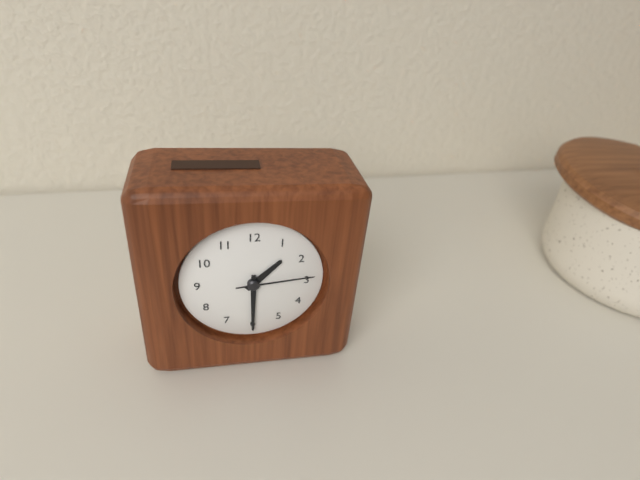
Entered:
1:30:14
